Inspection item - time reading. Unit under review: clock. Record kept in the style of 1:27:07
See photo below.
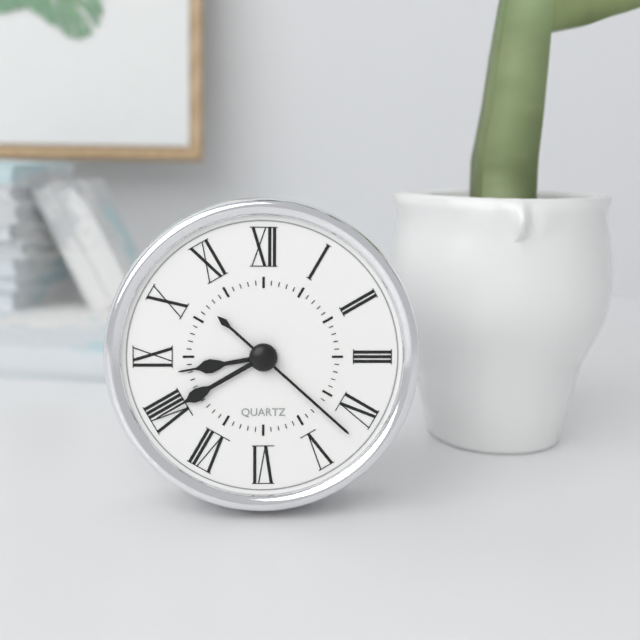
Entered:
8:40:22
